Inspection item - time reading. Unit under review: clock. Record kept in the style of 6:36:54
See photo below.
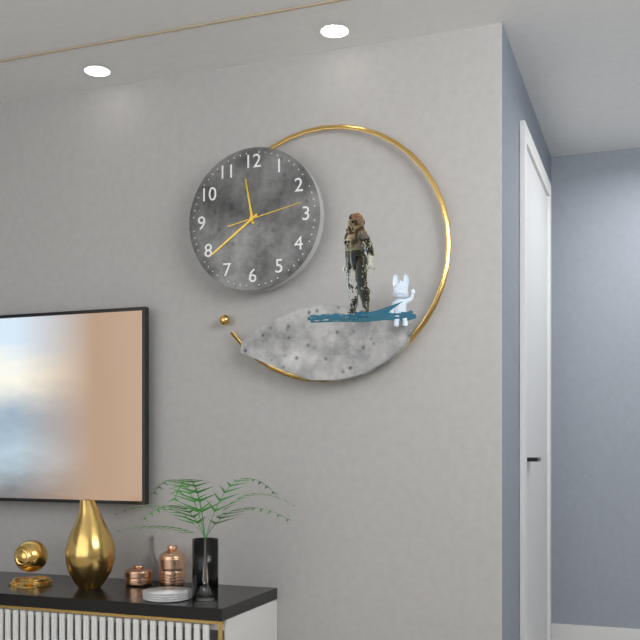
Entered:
11:39:13
